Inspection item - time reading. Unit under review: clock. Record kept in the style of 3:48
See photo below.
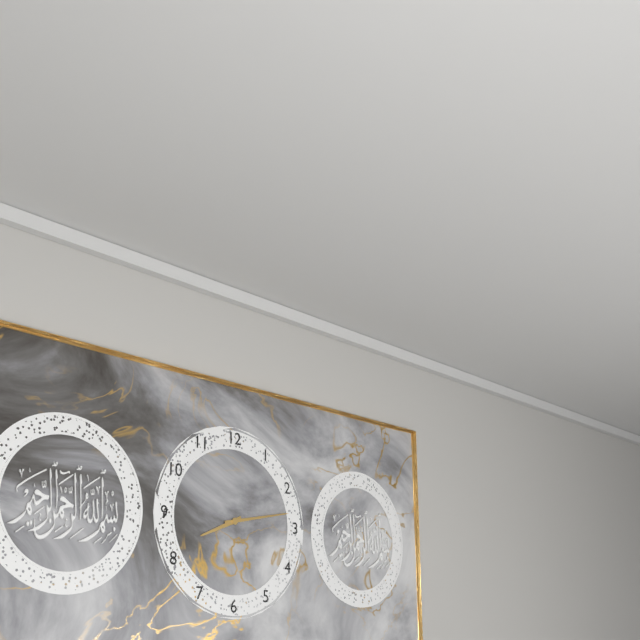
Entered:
8:13
